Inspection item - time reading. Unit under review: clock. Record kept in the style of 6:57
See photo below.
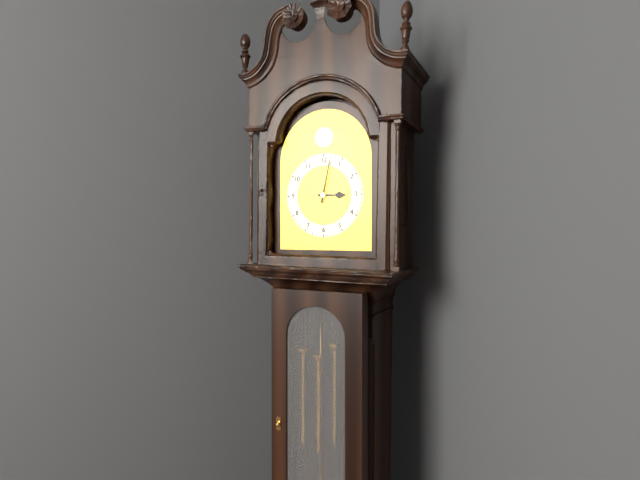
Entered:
3:02
